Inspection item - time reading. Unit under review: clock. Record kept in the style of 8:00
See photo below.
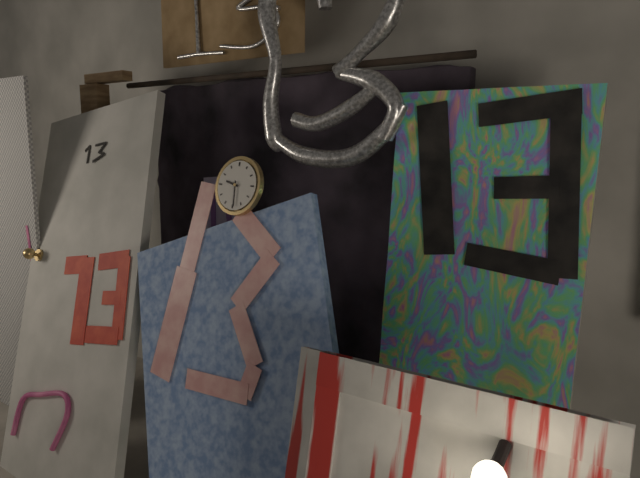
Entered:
9:29
